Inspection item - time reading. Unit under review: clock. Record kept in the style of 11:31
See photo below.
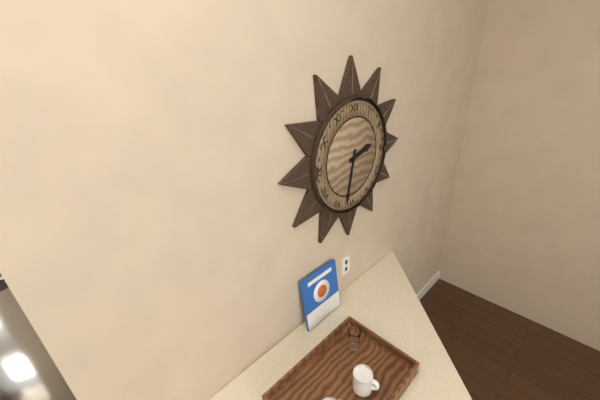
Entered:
2:32
